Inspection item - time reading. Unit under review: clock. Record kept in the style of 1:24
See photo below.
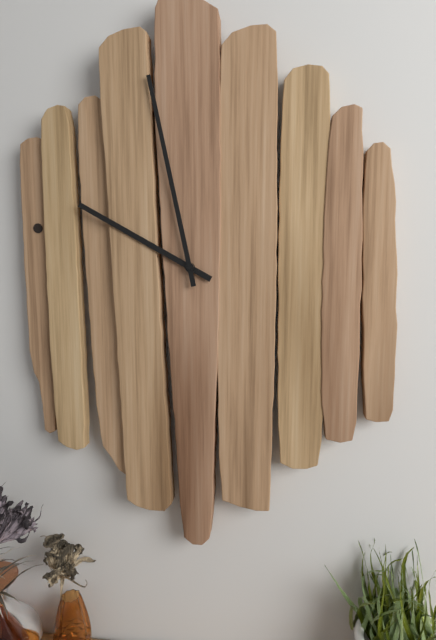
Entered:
9:58
